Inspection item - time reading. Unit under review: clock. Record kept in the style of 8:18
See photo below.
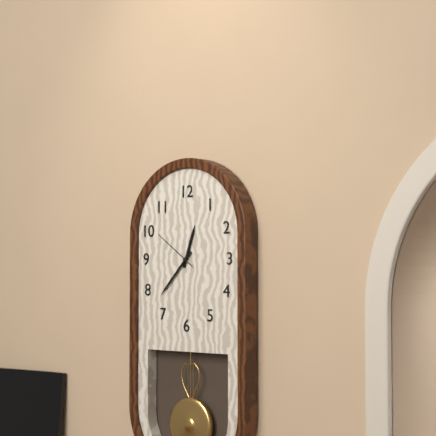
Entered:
12:37
